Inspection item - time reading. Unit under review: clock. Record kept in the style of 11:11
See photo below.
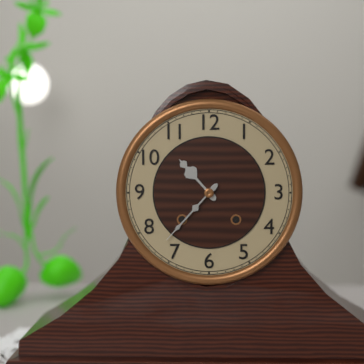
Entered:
10:37
